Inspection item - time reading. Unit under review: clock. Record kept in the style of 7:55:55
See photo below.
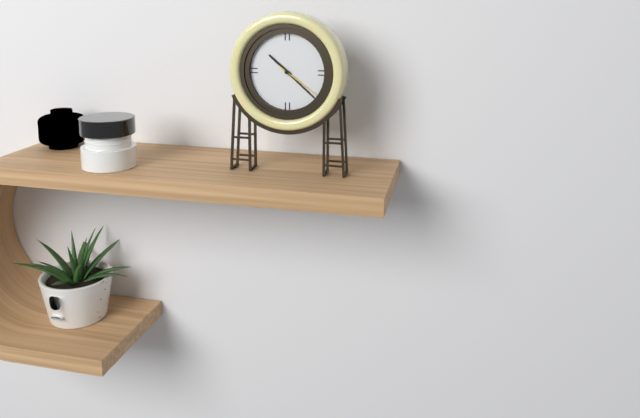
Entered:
10:22:21
